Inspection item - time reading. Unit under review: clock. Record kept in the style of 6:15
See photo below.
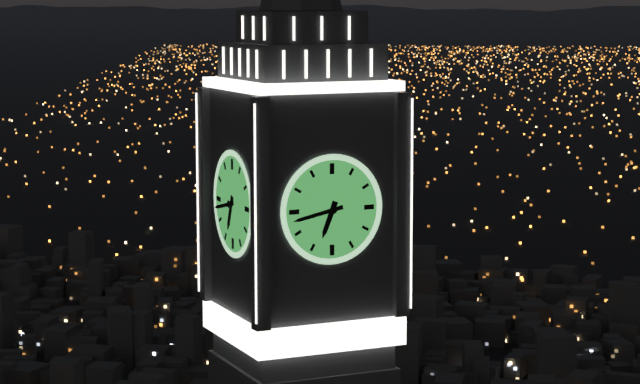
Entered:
6:43
